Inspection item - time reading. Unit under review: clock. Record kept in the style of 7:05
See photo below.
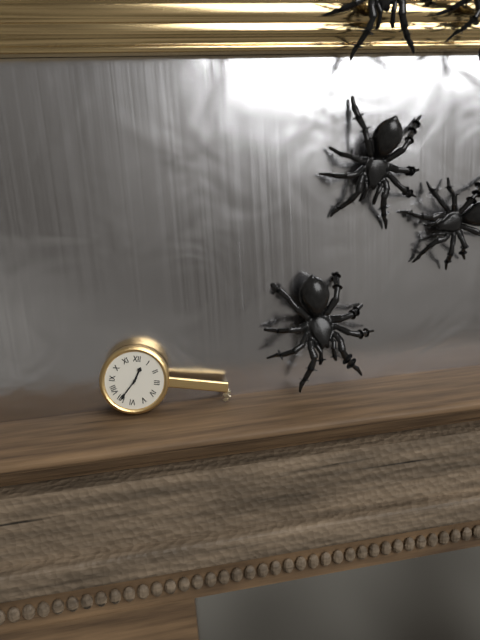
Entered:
12:35
